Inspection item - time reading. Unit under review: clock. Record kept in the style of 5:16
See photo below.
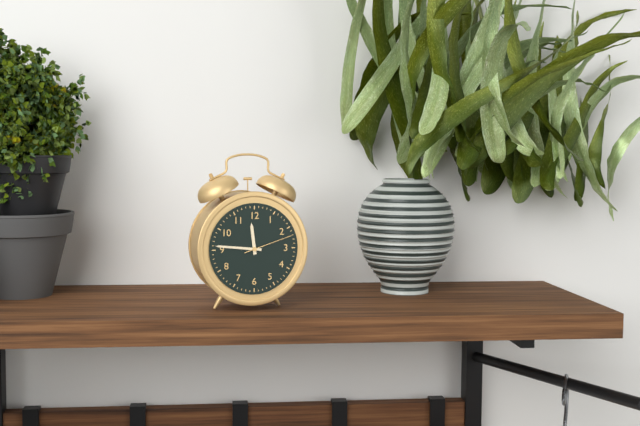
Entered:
11:46
